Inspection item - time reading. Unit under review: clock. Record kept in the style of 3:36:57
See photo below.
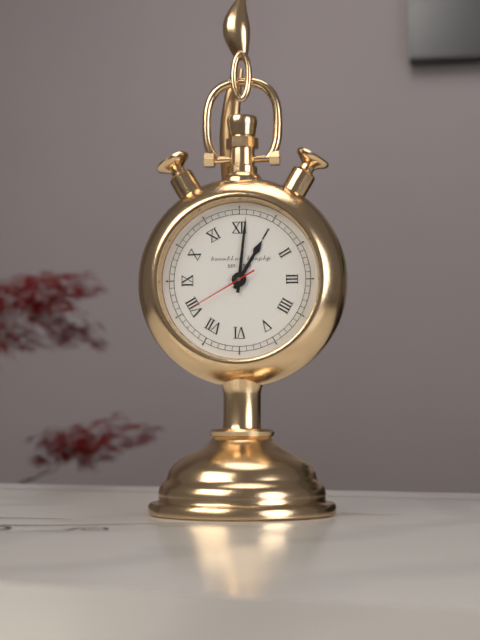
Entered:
1:01:40
